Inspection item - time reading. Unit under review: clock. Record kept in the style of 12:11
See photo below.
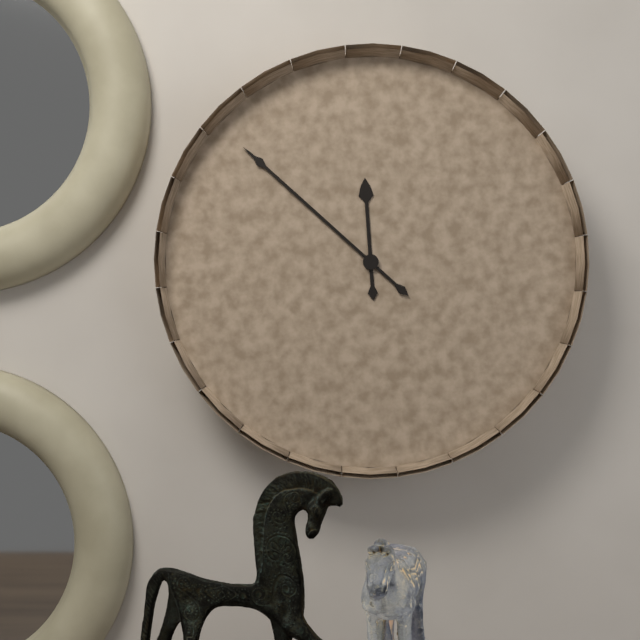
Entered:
11:52
